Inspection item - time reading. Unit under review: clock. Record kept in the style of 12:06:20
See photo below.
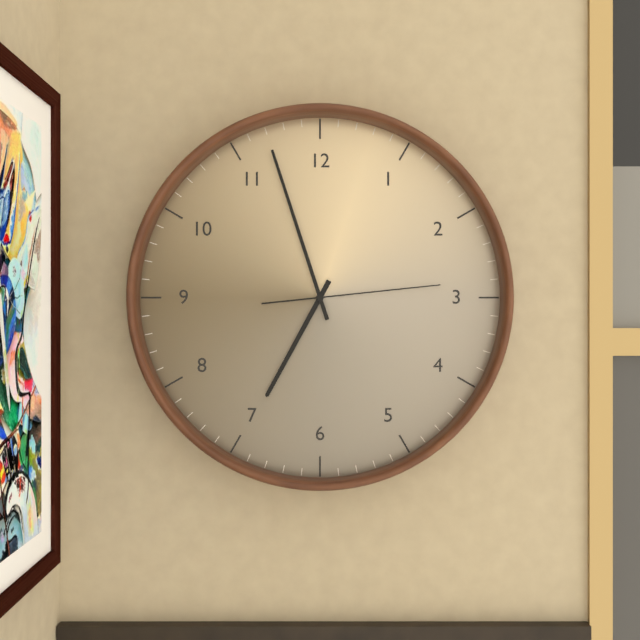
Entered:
6:57:14
